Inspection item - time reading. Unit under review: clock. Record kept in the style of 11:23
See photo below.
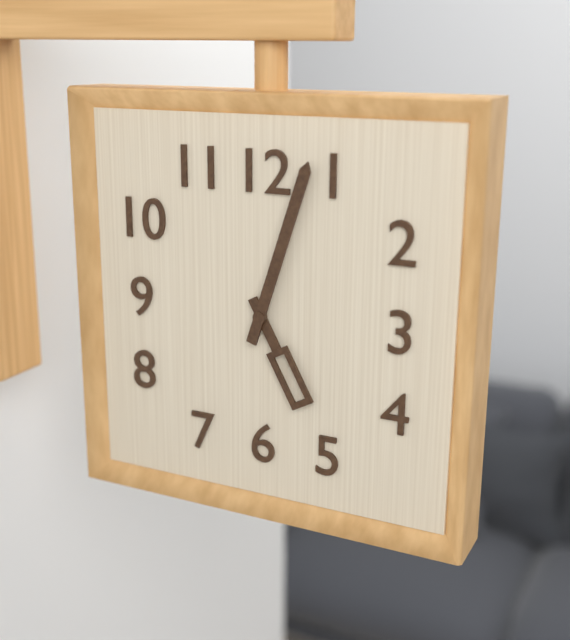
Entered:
5:03
